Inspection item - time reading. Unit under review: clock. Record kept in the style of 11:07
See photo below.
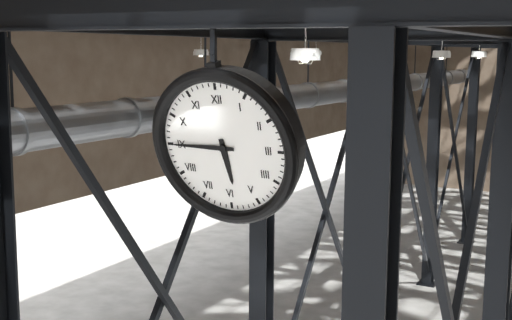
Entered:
5:45
